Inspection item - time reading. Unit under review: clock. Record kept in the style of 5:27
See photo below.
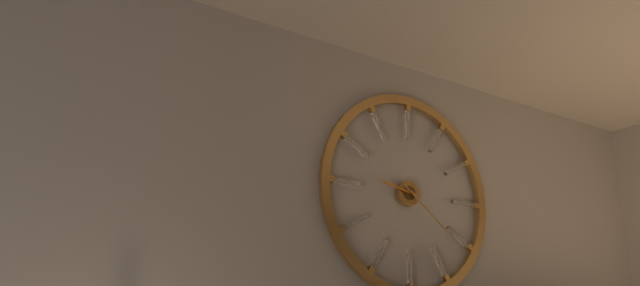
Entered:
9:21
